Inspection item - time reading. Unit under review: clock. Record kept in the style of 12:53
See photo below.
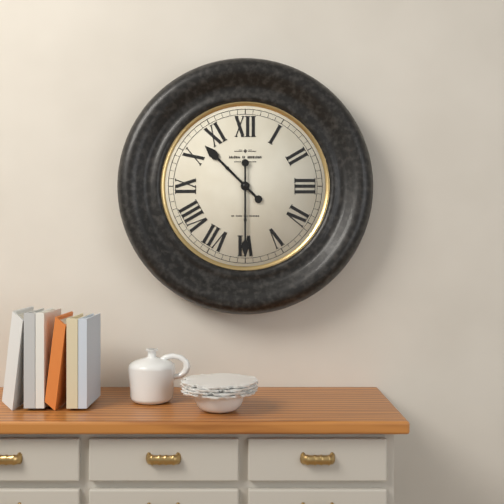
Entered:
10:30
